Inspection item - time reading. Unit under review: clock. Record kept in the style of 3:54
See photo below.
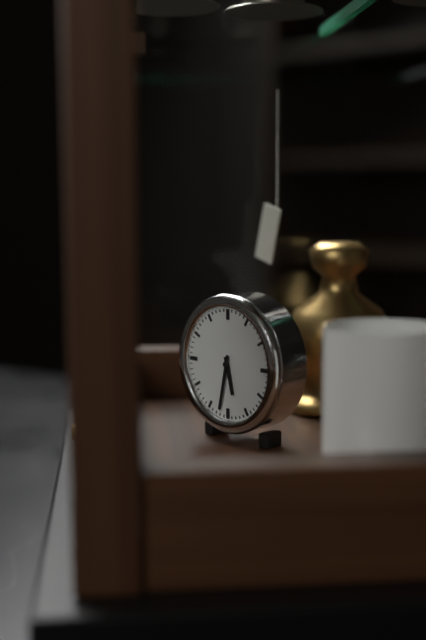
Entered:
5:32
